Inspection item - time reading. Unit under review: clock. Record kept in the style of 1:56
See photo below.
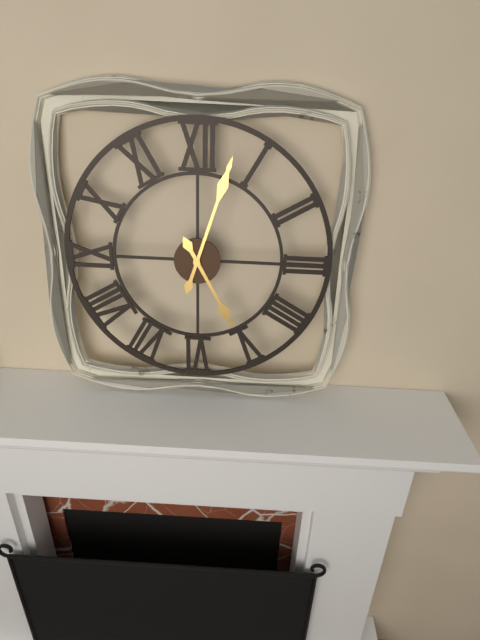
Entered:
5:03
